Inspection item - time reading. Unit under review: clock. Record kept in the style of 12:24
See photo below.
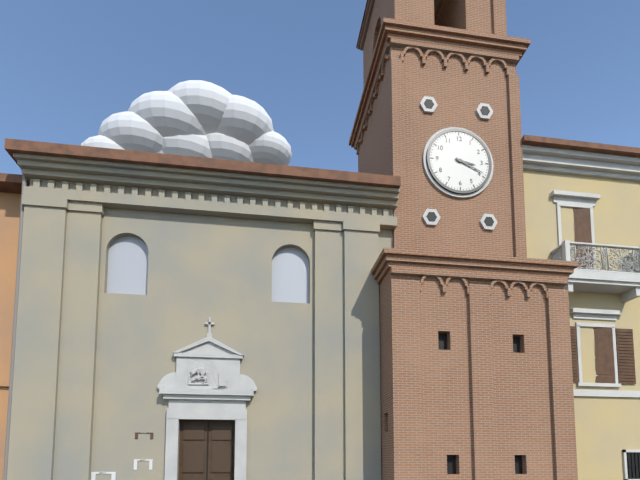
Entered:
3:19
